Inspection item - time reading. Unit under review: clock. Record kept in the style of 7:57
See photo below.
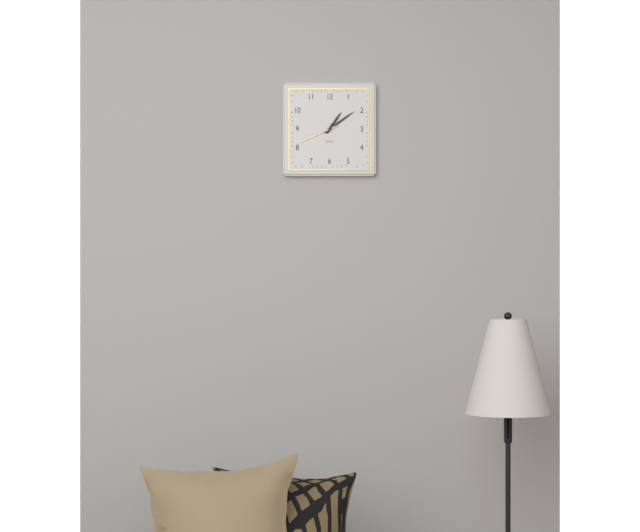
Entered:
1:09
